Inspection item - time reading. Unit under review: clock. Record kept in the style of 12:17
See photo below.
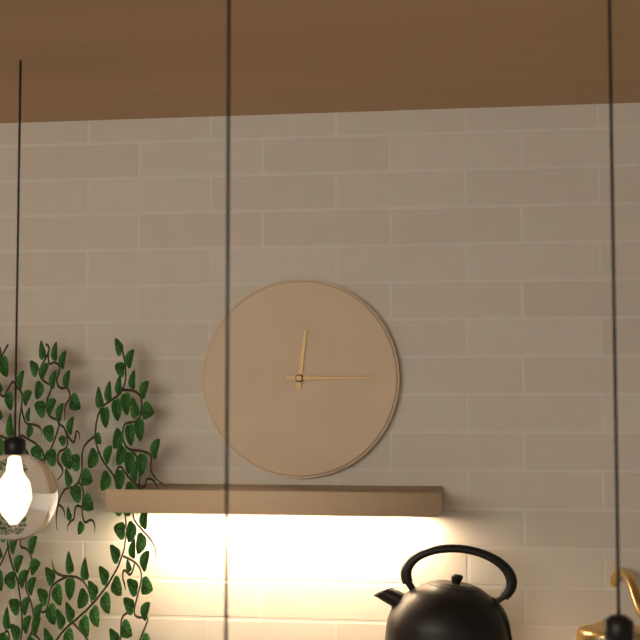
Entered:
12:15
